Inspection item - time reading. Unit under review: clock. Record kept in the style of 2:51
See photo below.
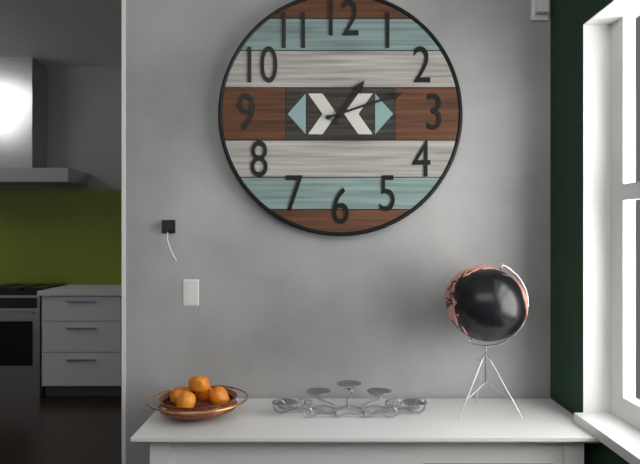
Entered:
1:12
